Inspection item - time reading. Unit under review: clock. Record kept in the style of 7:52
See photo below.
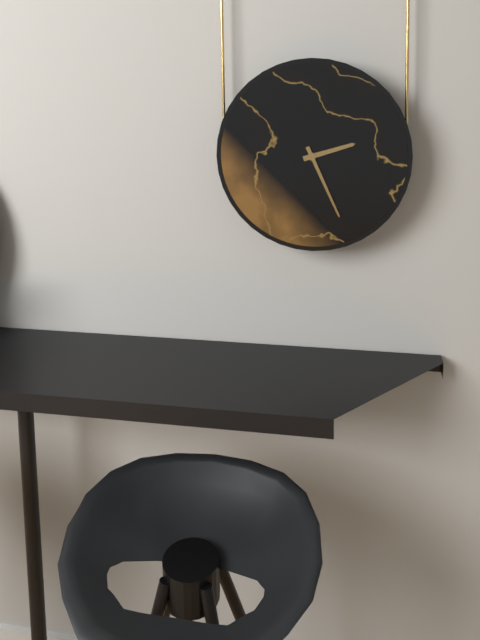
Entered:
2:26
